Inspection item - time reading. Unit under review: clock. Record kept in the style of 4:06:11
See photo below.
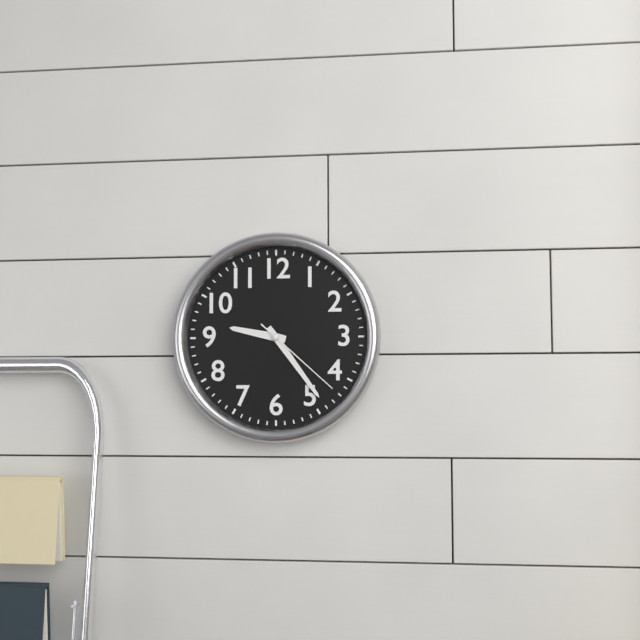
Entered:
9:24:22
